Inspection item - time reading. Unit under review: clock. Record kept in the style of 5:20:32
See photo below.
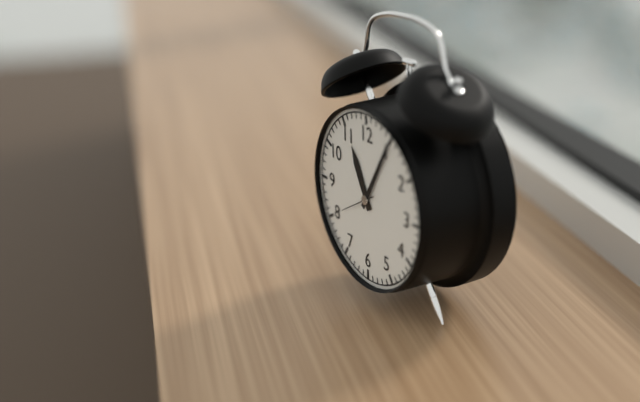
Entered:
11:05:40
